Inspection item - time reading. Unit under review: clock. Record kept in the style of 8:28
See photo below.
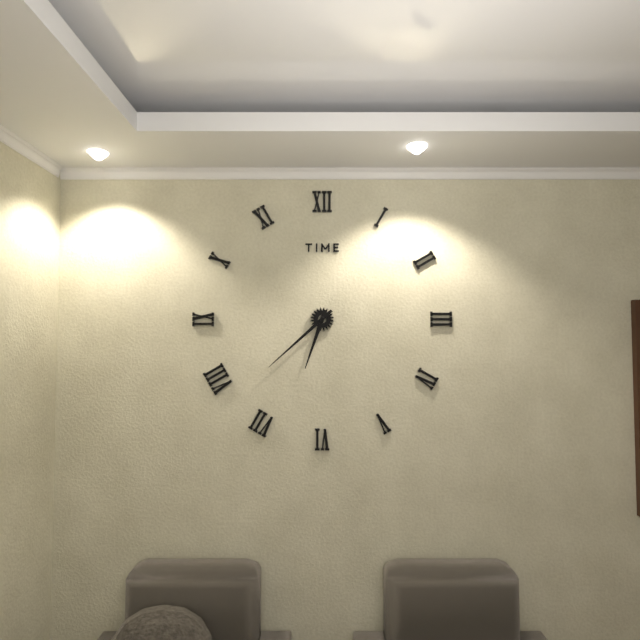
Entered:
6:38
